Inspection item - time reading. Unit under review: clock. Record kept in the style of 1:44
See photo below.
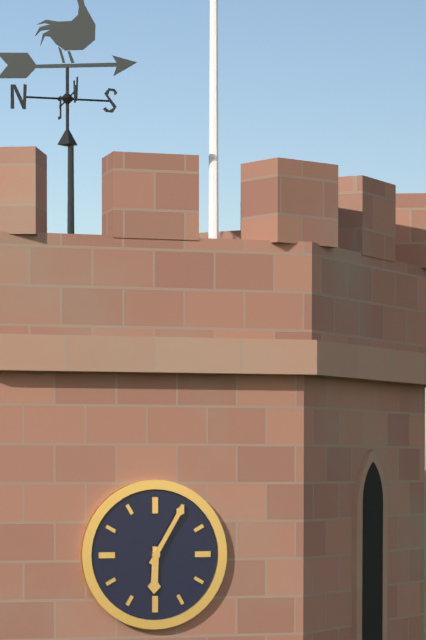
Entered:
6:05
